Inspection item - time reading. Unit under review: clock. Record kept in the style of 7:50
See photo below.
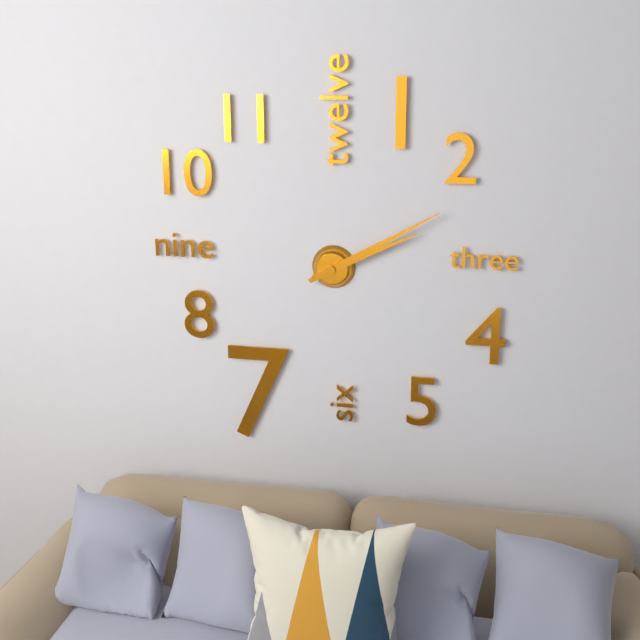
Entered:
2:10
